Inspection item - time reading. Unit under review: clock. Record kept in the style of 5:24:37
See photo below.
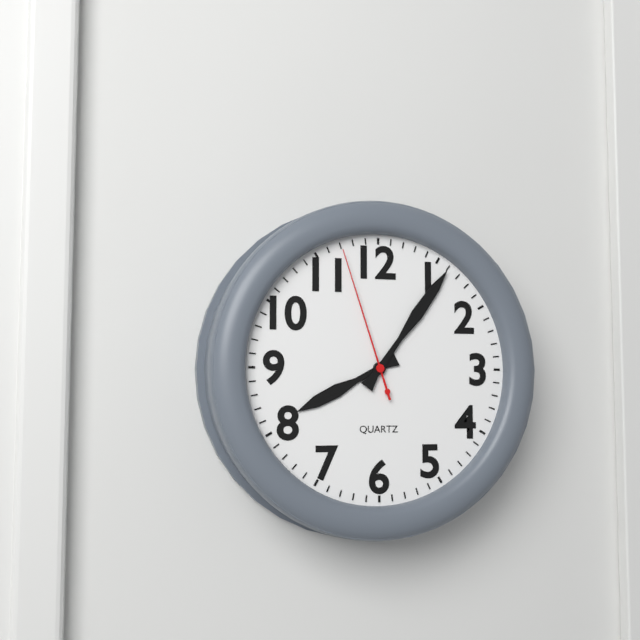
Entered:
8:06:57
